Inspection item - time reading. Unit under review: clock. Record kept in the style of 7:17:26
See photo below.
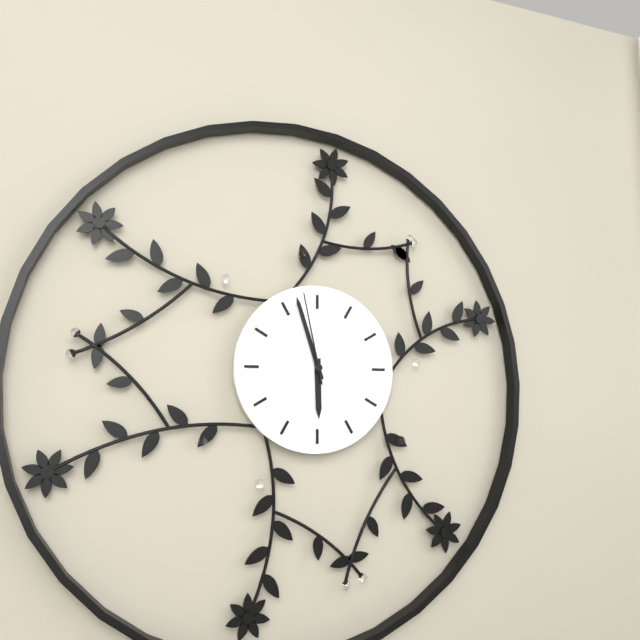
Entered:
5:57:58
